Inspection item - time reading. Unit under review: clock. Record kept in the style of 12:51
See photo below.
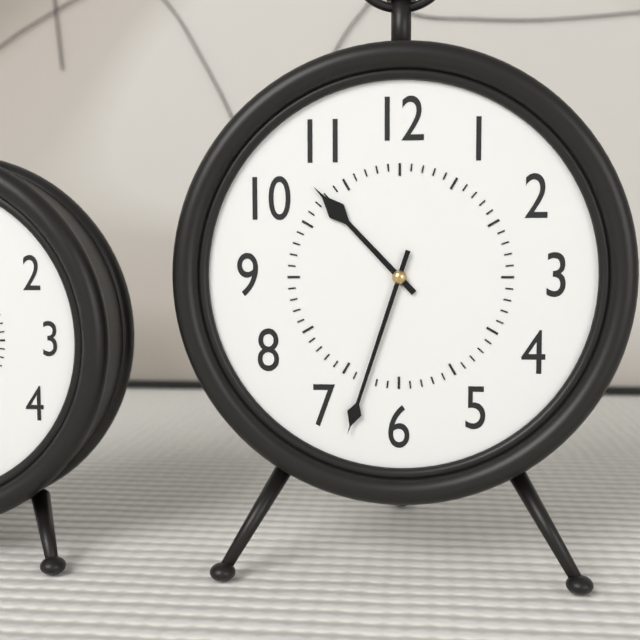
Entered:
10:33
